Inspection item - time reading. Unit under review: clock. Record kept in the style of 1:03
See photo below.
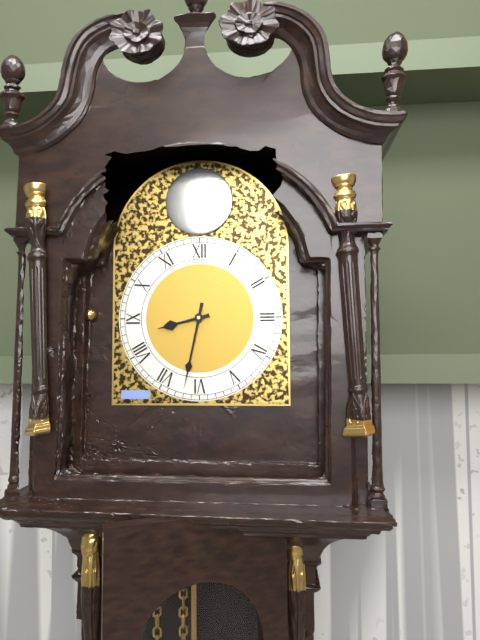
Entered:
8:32
